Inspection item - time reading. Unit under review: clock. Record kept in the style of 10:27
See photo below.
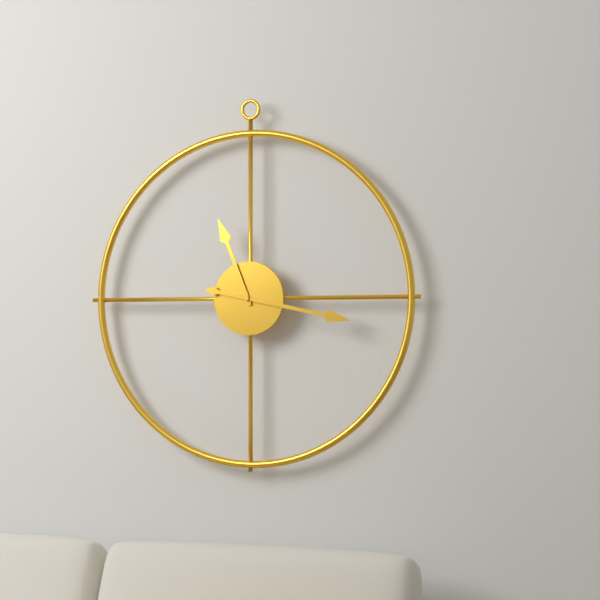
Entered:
11:17
